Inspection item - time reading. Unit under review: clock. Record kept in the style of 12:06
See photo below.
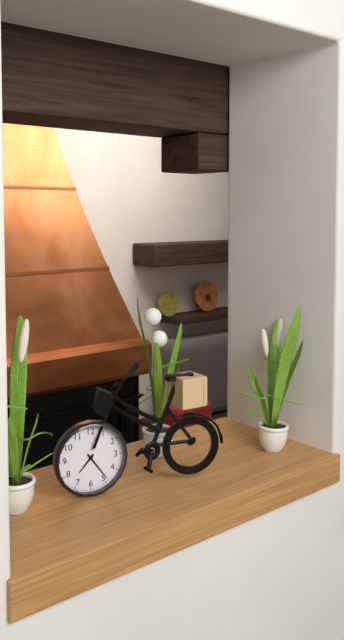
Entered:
7:24
